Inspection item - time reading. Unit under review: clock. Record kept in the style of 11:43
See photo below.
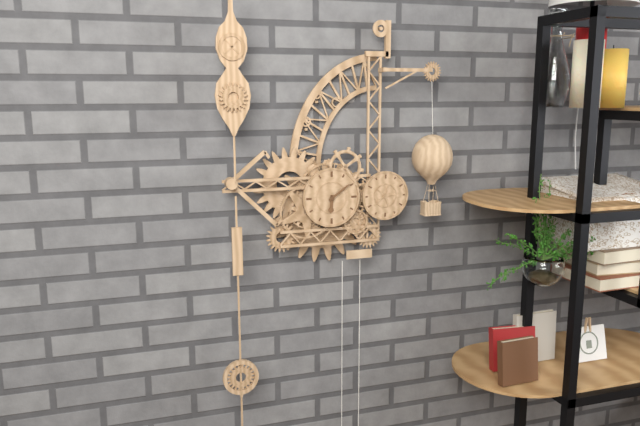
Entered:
6:09
